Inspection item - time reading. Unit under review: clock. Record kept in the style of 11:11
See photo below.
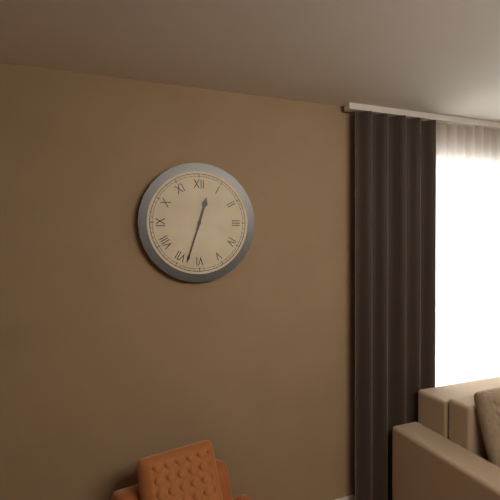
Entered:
12:33
